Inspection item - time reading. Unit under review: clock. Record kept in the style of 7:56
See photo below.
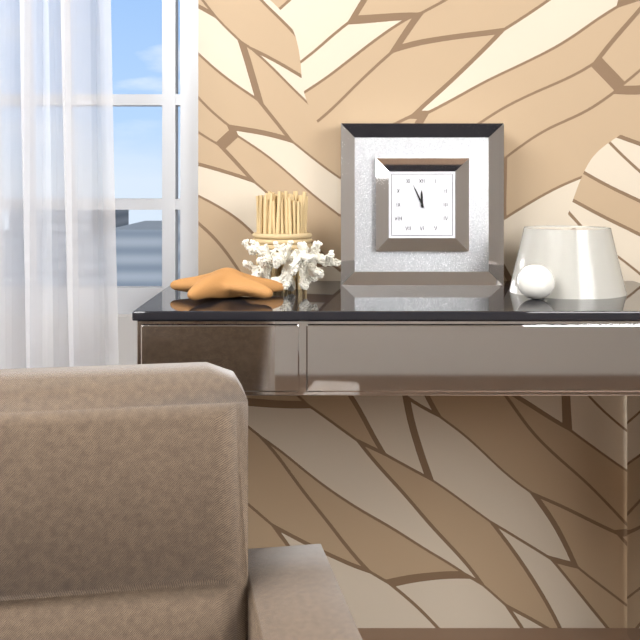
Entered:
11:56
